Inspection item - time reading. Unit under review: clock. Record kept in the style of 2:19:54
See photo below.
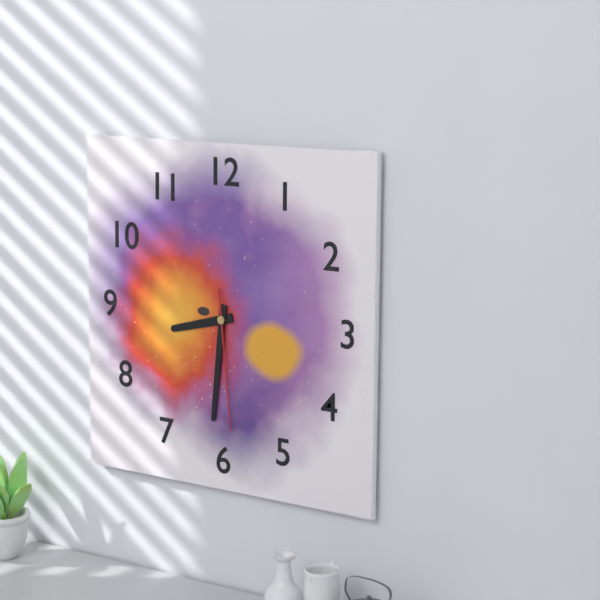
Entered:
8:31:29
